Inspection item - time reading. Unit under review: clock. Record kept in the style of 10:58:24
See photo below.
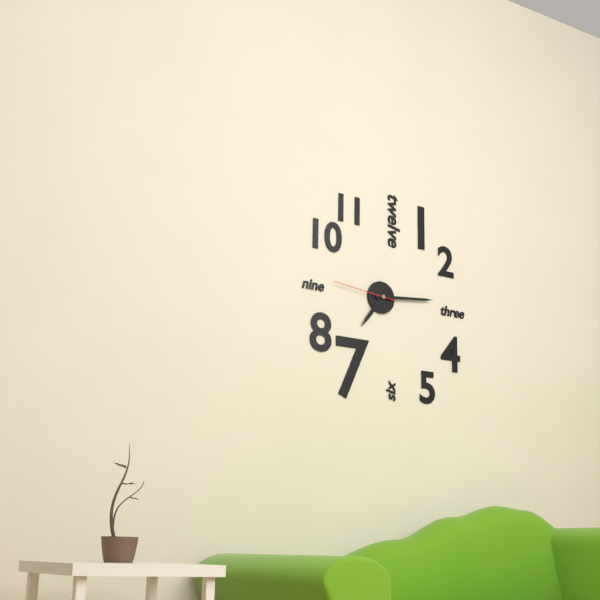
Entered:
7:14:46
